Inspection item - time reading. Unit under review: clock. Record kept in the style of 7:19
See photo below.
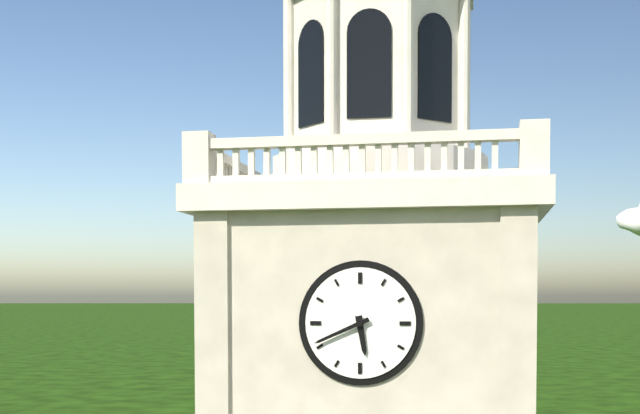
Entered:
5:41
